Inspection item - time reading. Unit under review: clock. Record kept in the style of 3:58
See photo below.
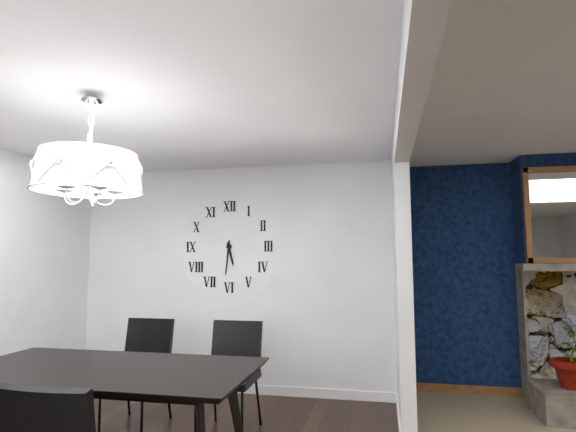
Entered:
5:31
